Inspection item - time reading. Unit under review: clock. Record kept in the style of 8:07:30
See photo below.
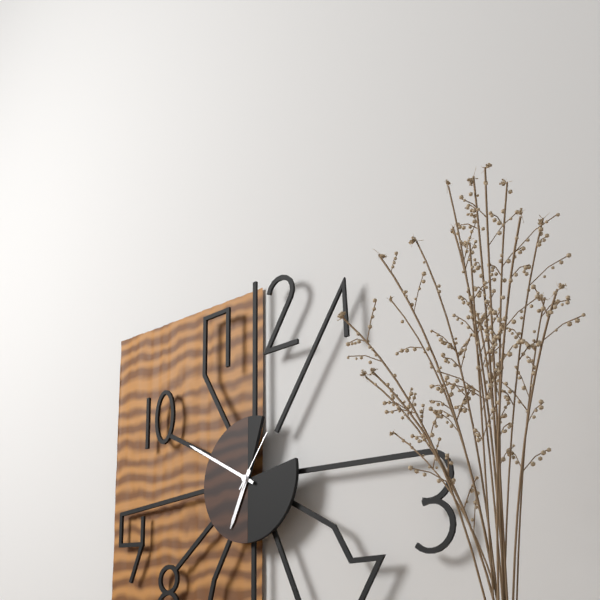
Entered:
6:50:06
